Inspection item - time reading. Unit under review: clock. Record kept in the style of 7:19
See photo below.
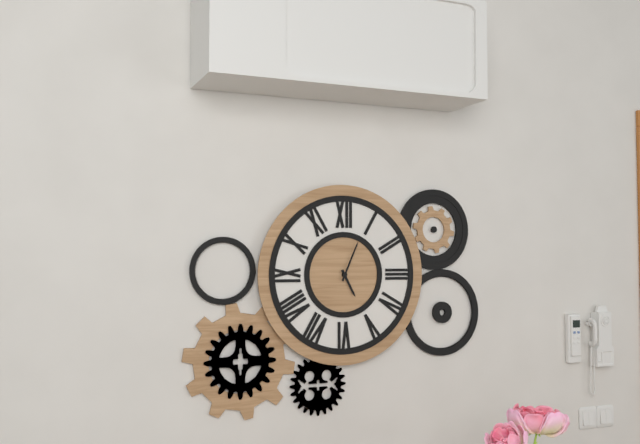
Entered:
5:04
